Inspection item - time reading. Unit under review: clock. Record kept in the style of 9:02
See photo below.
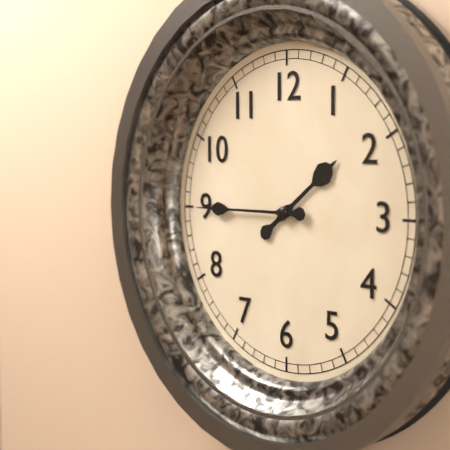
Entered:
1:45
